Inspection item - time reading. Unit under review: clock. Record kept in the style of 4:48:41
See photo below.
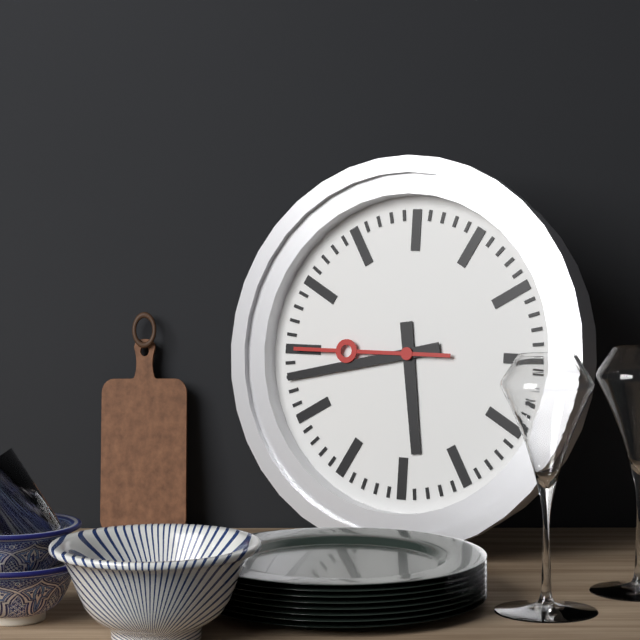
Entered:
5:43:45
